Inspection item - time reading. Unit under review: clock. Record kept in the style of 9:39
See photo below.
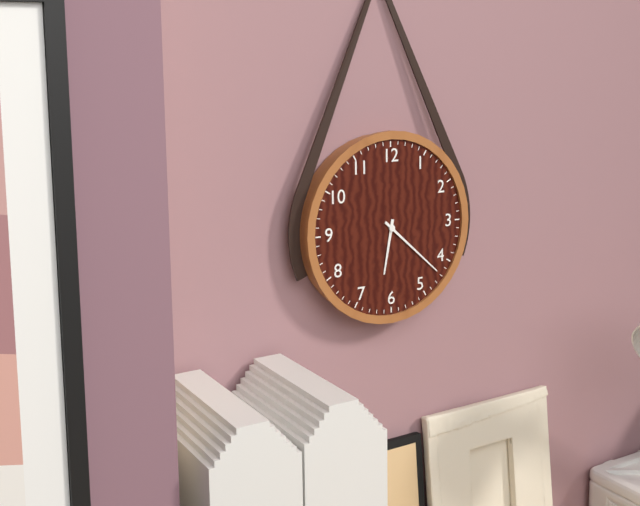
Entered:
6:22
